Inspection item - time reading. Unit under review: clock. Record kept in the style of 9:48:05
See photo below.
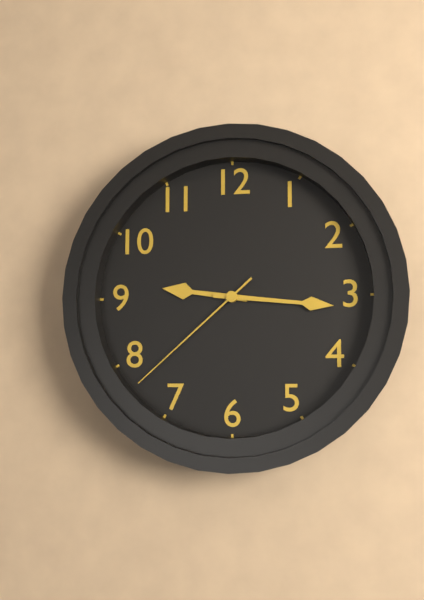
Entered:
9:16:38
